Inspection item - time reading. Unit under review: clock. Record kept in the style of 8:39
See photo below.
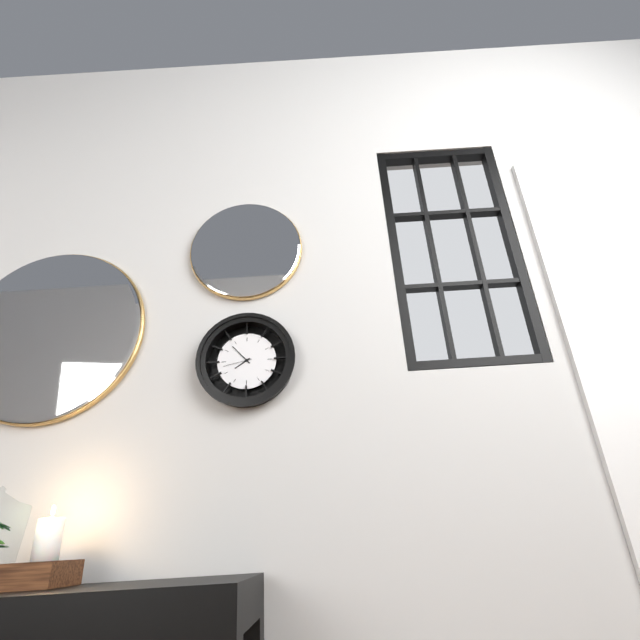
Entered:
7:53
